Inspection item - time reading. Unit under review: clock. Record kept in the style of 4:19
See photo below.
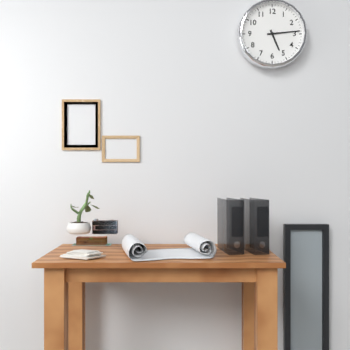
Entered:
5:14
